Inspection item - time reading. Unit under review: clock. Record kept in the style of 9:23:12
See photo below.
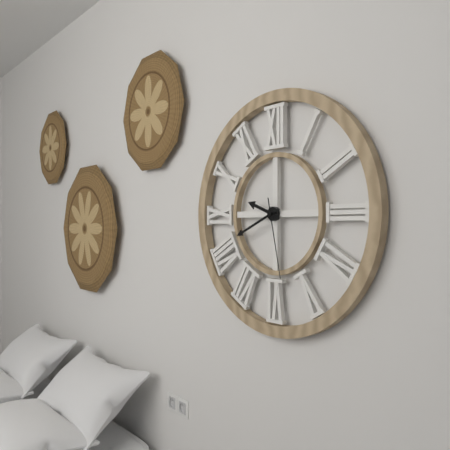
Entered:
9:41:28
